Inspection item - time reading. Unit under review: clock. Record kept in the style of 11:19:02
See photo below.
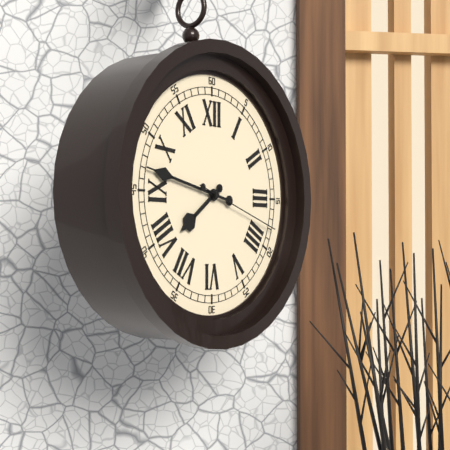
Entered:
7:47:18
